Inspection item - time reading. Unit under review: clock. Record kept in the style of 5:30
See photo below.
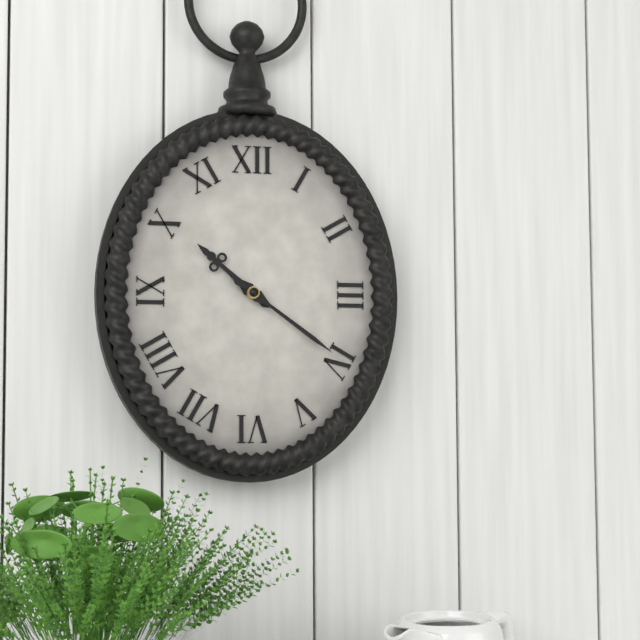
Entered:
10:21
